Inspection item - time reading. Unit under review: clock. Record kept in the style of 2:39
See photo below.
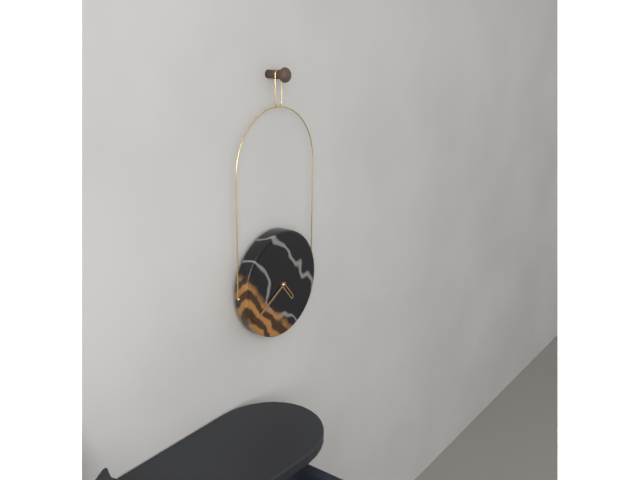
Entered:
4:40
